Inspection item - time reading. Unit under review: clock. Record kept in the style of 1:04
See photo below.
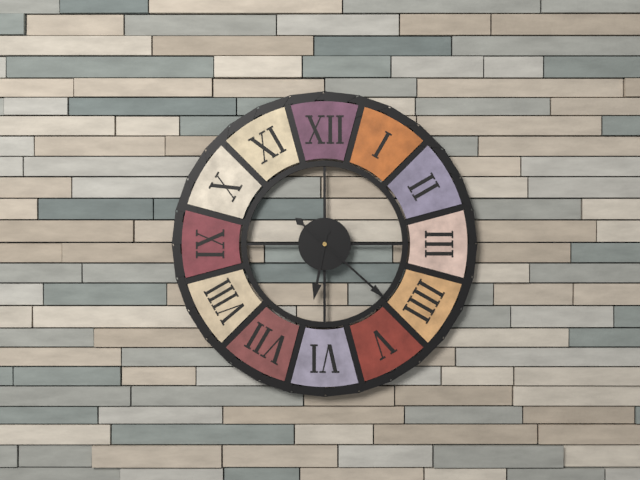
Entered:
6:22
